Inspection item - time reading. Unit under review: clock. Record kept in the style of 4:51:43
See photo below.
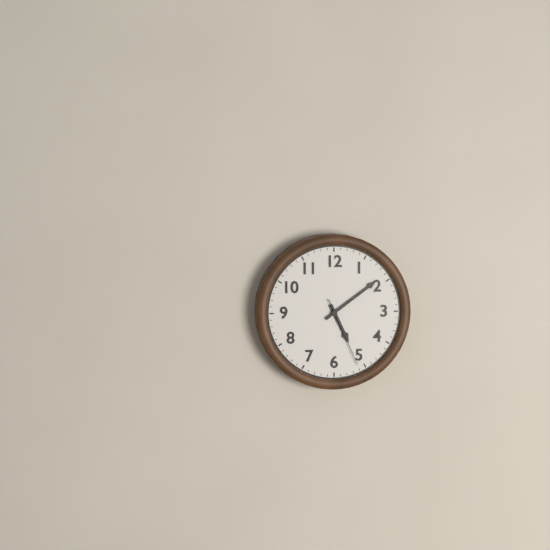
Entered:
5:09:26
